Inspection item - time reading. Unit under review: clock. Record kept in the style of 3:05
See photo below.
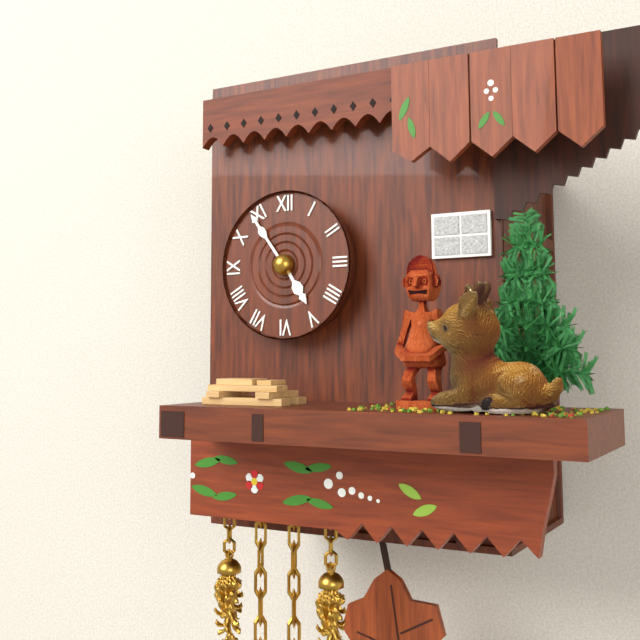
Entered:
4:54
